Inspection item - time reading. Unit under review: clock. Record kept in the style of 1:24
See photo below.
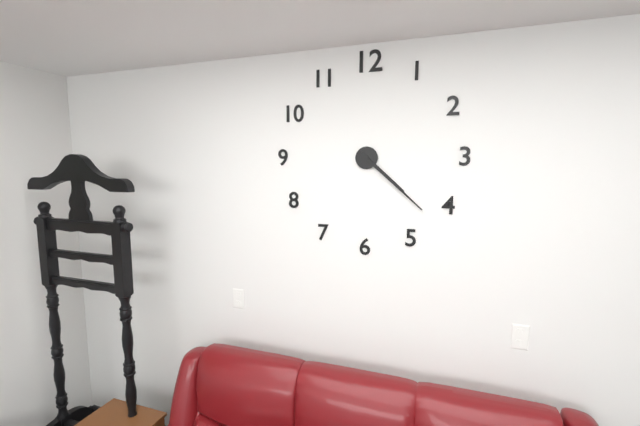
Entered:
4:22
